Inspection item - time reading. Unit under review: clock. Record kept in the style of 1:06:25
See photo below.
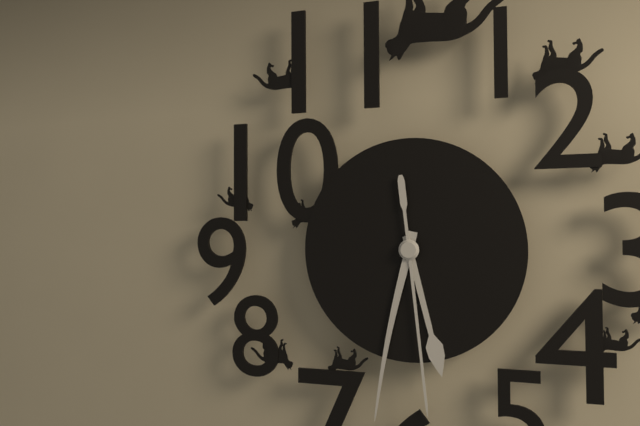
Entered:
5:32:29
